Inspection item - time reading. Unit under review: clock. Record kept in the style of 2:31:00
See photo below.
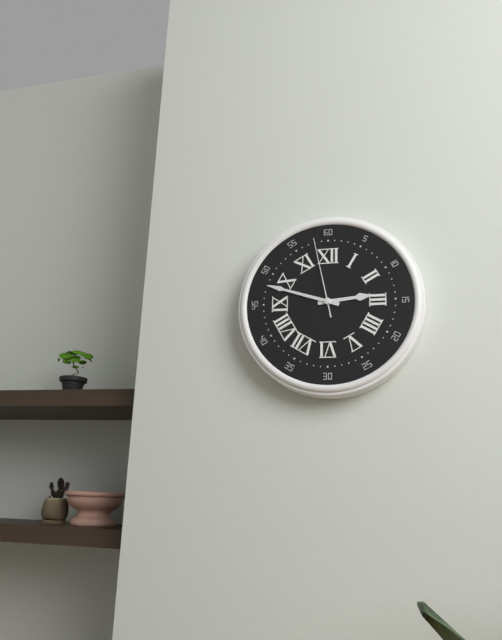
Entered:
2:48:58
